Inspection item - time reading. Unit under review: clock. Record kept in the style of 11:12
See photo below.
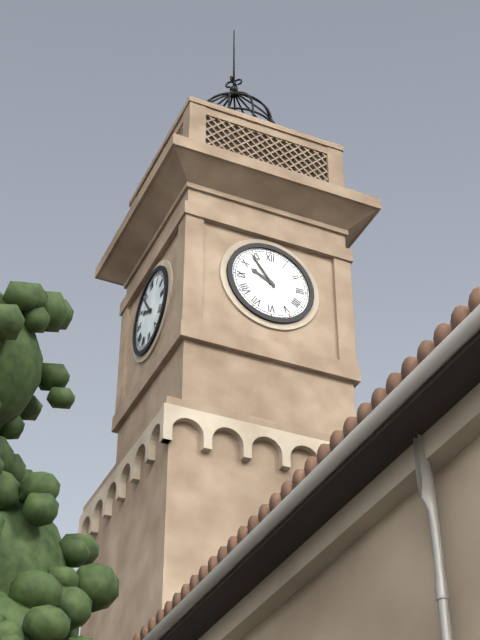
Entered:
9:54
